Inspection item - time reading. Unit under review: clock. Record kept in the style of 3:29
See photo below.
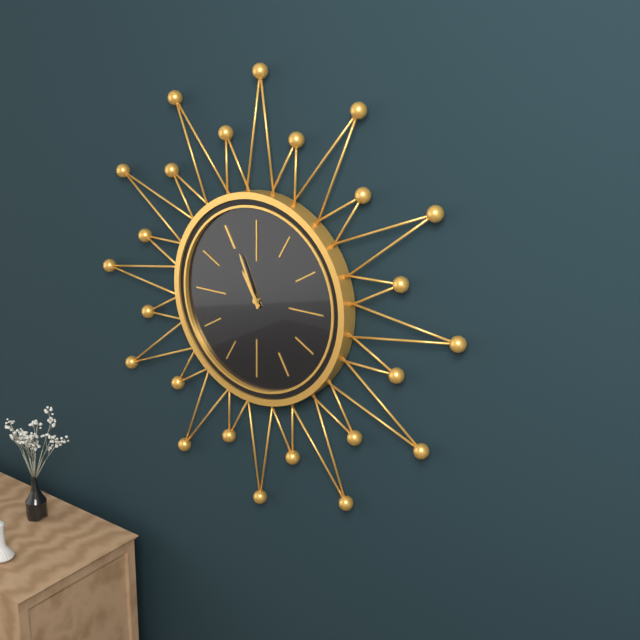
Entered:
10:56
